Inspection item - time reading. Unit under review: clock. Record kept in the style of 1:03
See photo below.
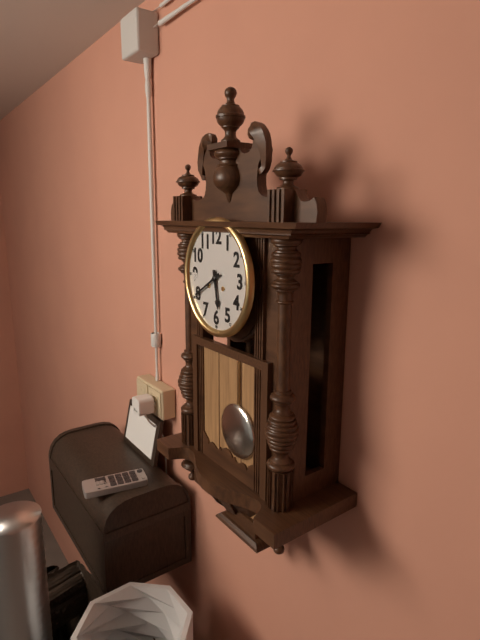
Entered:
5:40
